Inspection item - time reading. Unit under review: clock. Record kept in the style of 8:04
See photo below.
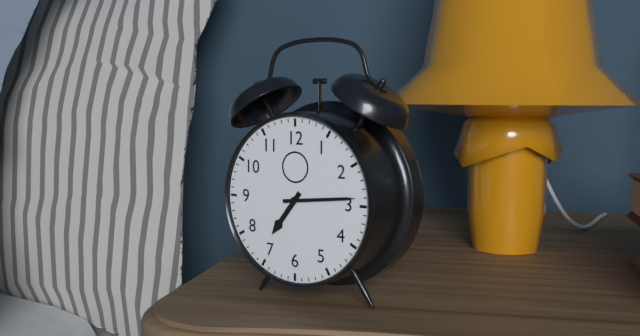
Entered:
7:14
